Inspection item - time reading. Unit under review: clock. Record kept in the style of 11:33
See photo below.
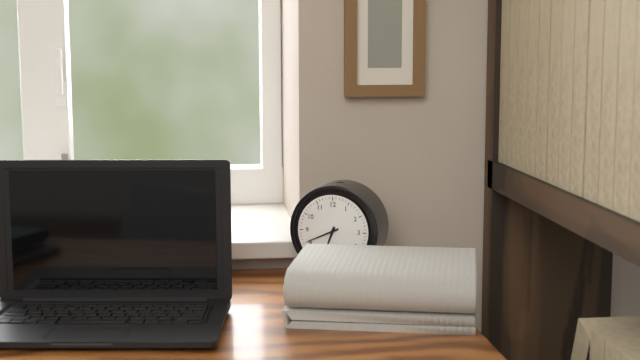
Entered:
6:41
